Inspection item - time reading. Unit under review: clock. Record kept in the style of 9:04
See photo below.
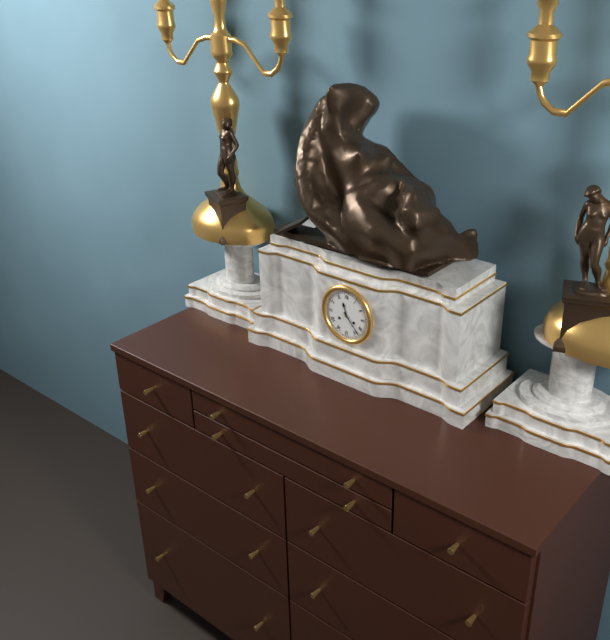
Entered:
11:23
